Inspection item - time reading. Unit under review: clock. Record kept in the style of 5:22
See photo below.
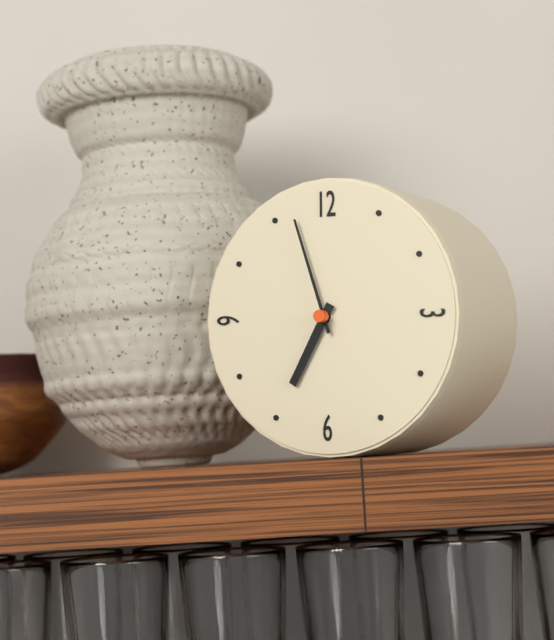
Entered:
6:57
